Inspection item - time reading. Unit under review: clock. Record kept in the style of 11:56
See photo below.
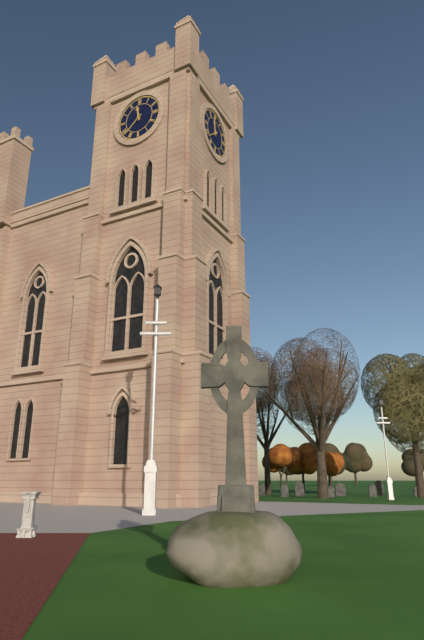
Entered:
11:38
